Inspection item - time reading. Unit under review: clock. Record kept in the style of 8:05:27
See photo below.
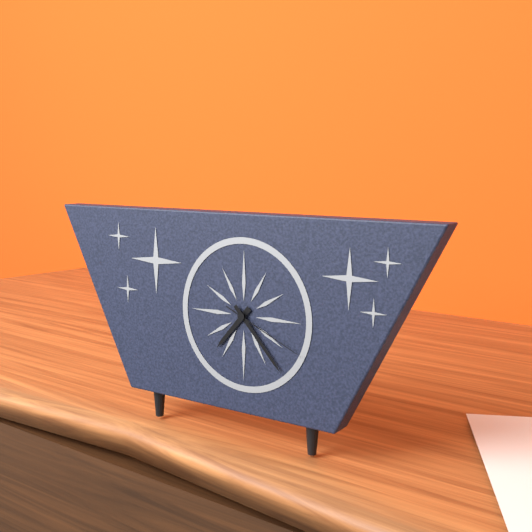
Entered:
7:23:19
